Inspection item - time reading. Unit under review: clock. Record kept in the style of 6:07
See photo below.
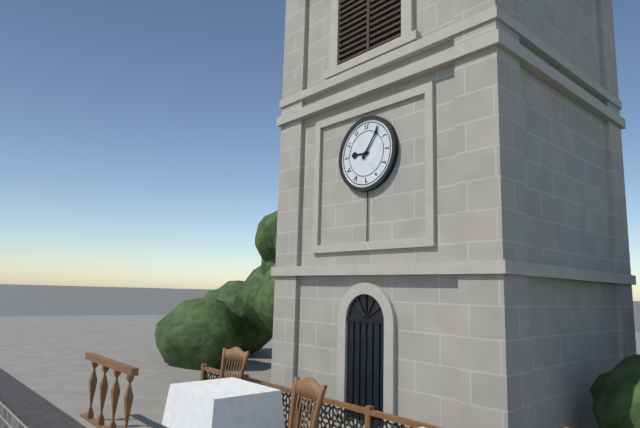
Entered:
9:06
